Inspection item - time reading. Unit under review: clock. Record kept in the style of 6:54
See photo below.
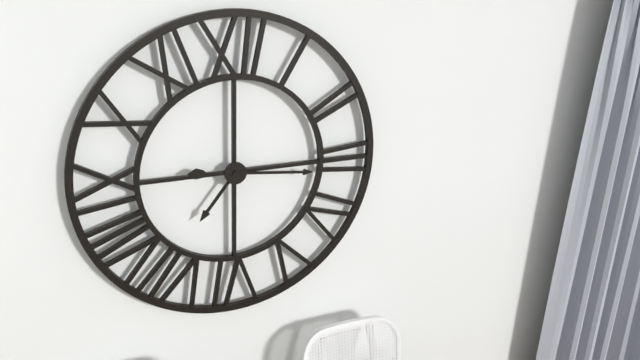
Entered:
7:16
